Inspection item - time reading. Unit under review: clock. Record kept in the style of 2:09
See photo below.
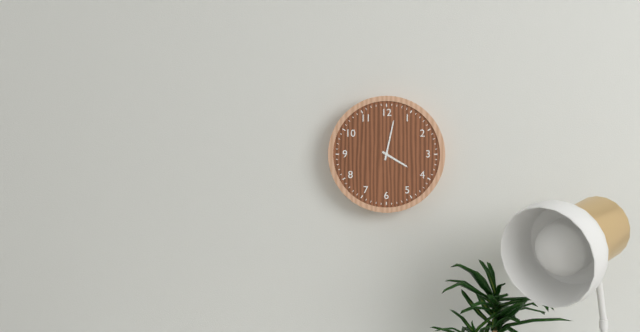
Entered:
4:02
